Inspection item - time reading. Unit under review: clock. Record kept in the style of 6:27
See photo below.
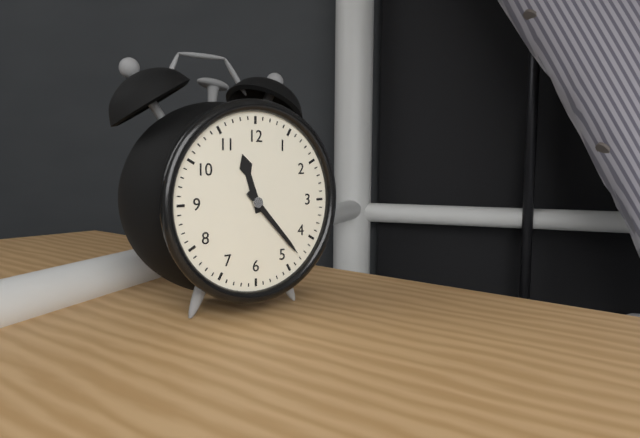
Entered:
11:23
